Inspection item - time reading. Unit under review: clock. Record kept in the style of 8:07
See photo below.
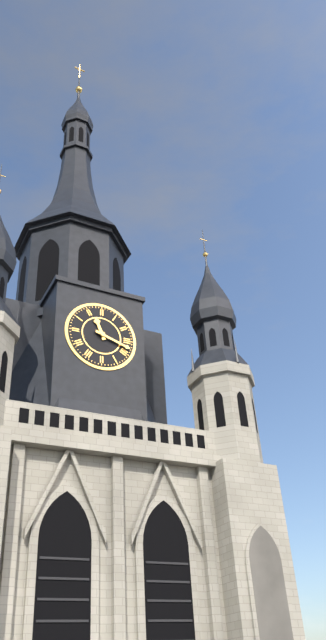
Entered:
11:18
